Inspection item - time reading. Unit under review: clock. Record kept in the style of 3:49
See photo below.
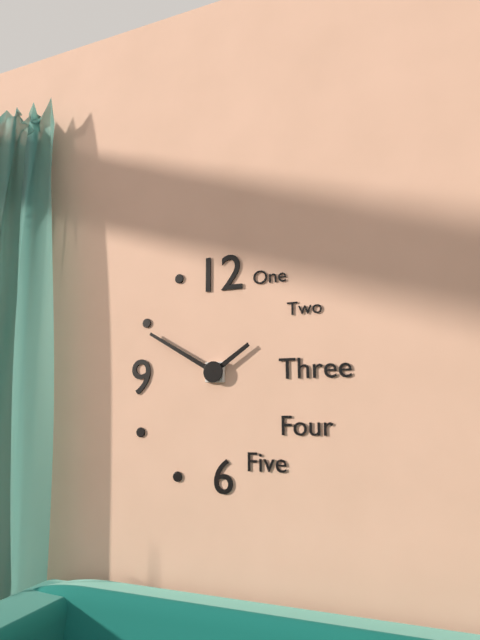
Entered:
1:50
